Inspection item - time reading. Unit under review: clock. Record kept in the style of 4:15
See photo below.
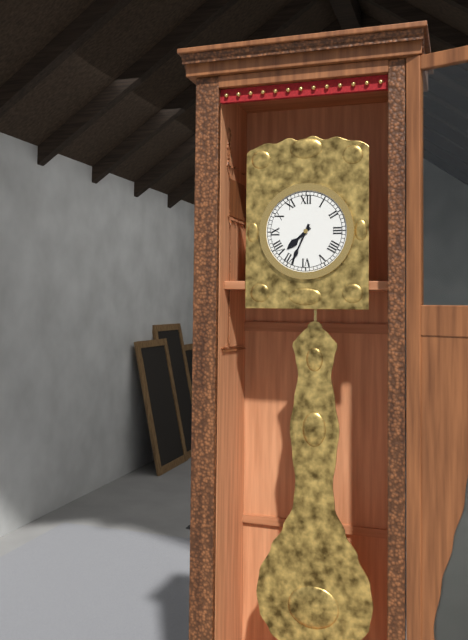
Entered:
7:34
